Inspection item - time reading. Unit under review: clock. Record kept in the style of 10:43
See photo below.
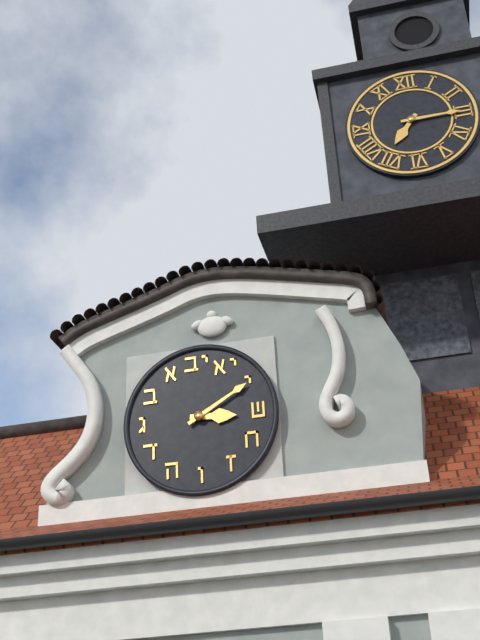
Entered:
3:10
